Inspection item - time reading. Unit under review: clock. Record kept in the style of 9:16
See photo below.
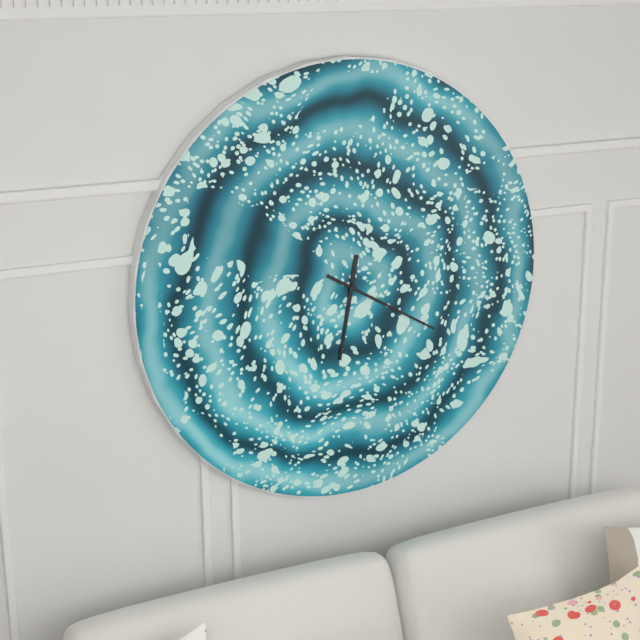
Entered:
6:20
